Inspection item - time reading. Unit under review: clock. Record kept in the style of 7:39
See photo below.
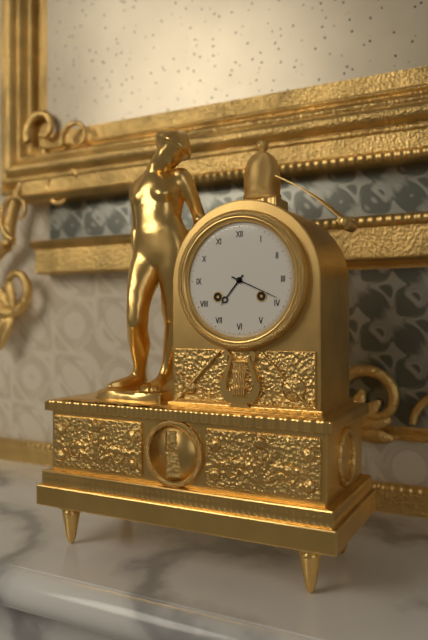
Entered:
7:19
